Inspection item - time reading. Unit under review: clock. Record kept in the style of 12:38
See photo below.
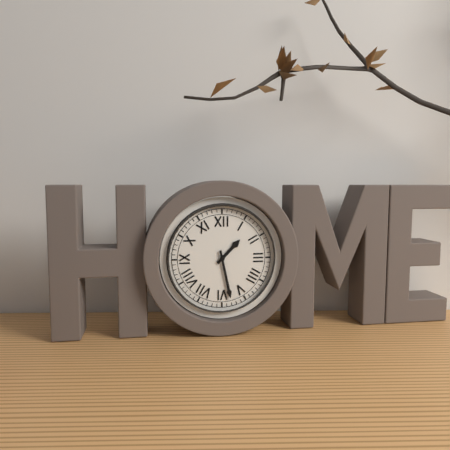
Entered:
1:28
